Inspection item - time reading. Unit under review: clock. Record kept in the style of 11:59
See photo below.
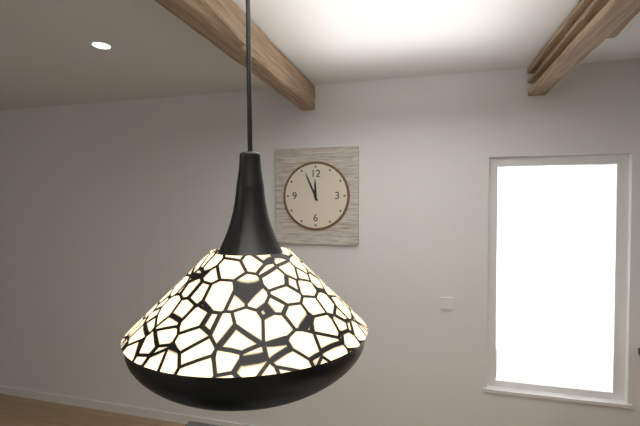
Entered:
11:56
